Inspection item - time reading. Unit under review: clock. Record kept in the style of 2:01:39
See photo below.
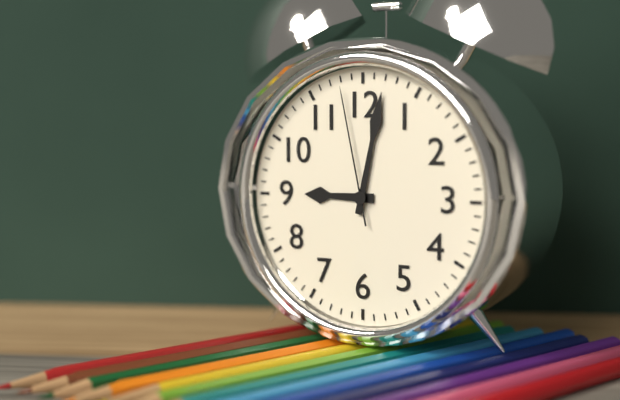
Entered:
9:02:58
